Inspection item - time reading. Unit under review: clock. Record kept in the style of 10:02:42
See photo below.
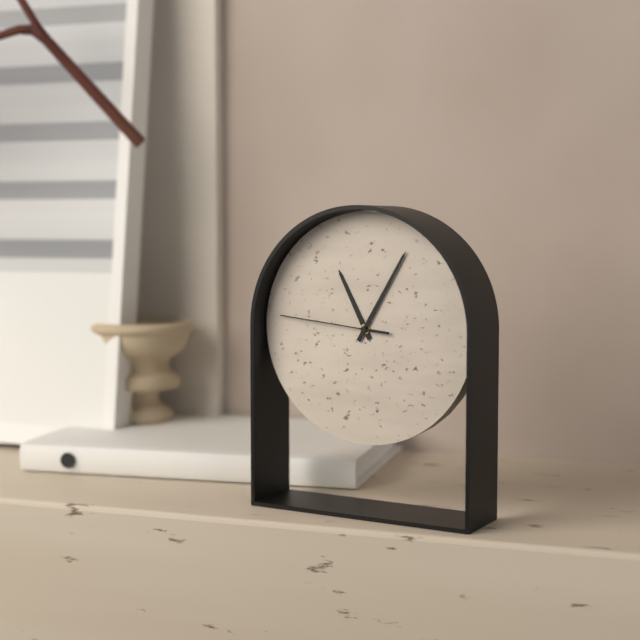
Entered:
11:05:46
